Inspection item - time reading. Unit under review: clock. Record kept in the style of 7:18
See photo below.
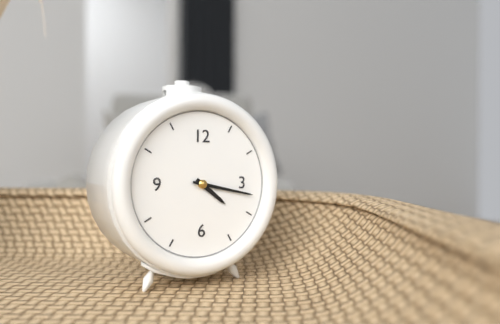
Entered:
4:17
